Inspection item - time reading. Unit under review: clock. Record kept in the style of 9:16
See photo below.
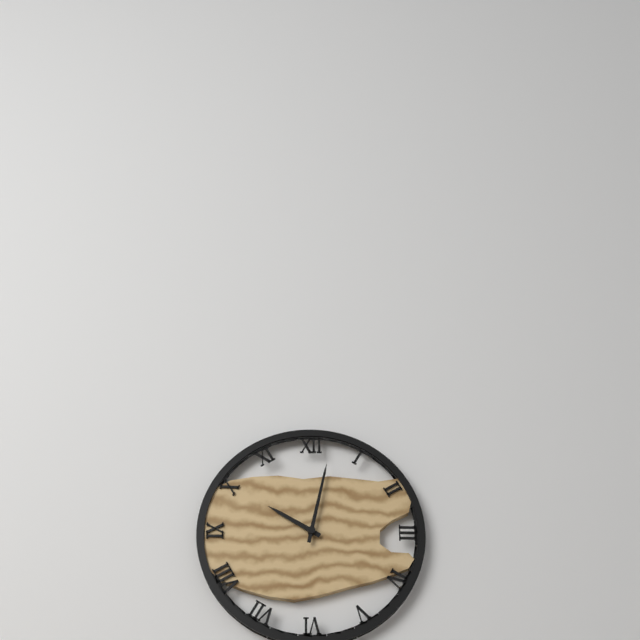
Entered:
10:02
